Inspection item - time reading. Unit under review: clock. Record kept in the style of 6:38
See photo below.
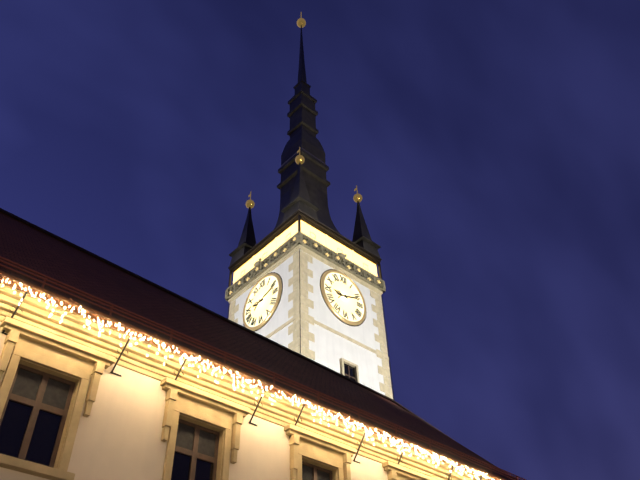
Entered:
9:12
